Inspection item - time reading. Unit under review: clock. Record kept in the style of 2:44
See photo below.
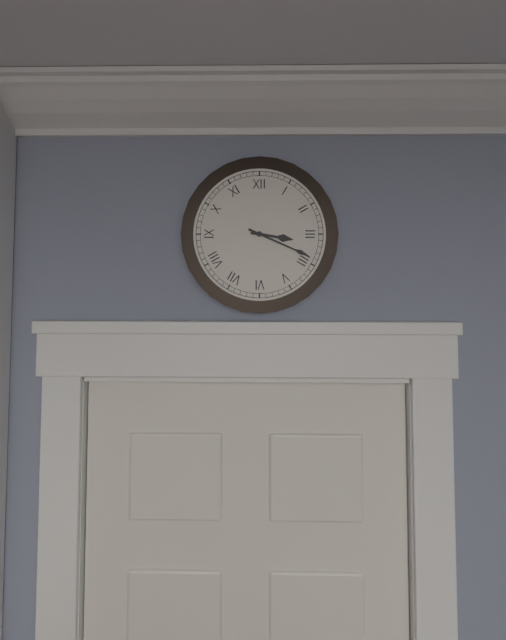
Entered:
3:19
